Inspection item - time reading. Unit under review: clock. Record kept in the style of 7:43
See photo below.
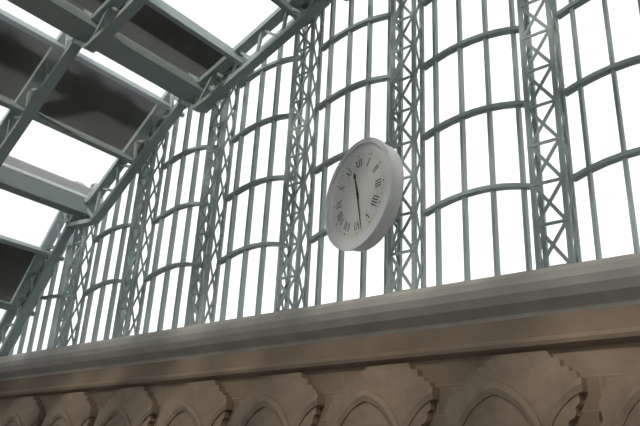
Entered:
11:28
